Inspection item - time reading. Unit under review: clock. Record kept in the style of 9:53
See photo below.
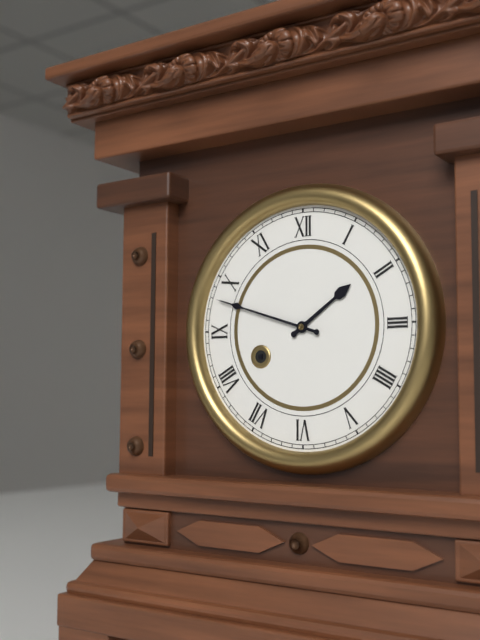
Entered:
1:48
